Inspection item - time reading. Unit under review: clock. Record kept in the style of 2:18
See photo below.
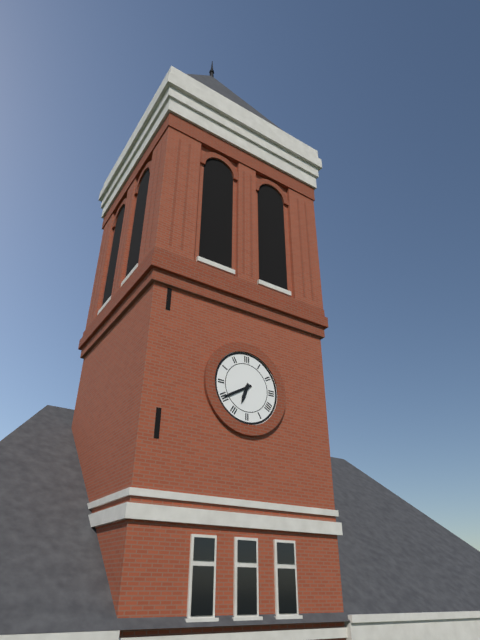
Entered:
6:40
